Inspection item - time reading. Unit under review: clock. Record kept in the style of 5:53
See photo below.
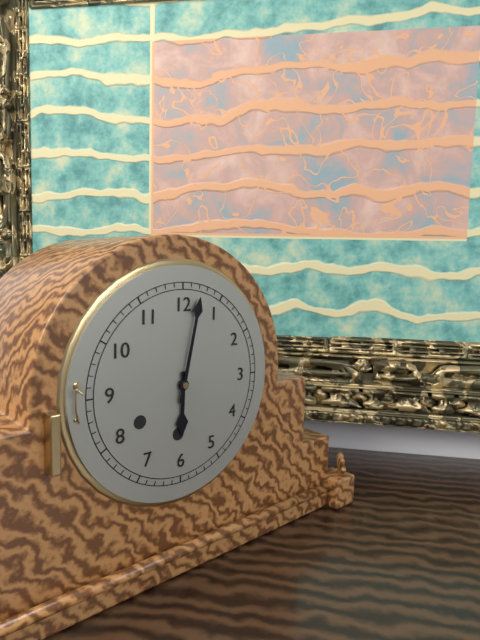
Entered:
6:02
